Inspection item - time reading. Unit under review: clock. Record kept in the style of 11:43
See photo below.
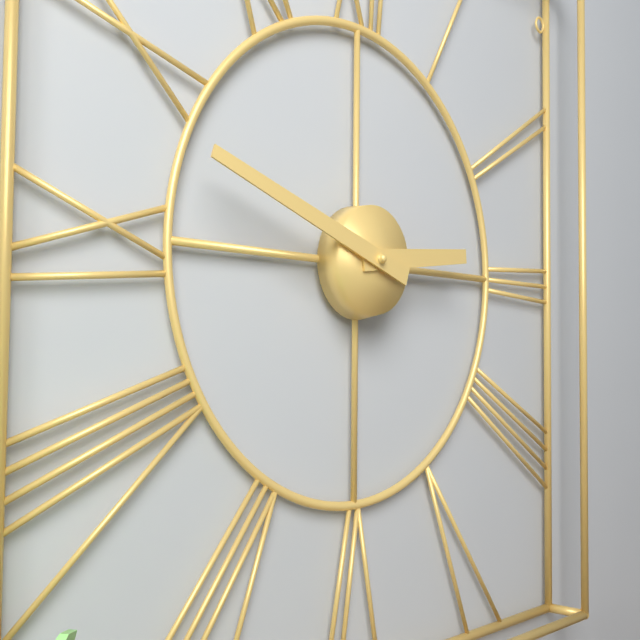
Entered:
2:48
